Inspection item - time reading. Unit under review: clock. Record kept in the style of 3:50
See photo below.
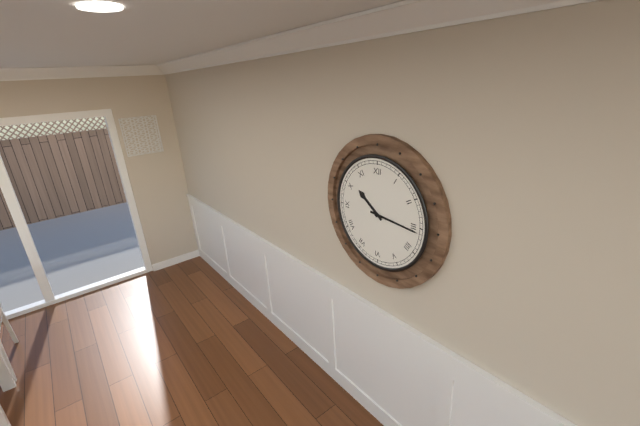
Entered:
10:16
